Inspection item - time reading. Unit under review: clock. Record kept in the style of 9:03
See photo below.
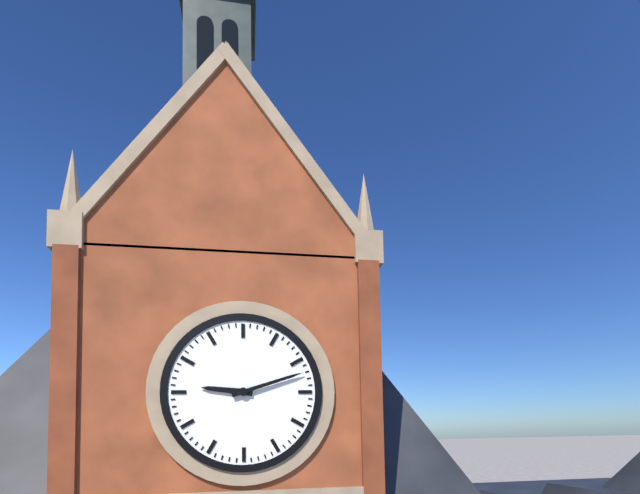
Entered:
9:12
